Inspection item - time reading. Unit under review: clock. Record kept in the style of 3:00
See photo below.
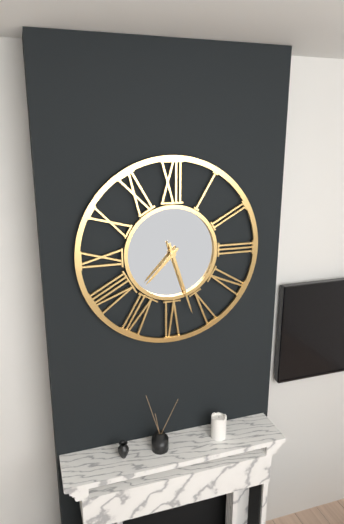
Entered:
7:27
